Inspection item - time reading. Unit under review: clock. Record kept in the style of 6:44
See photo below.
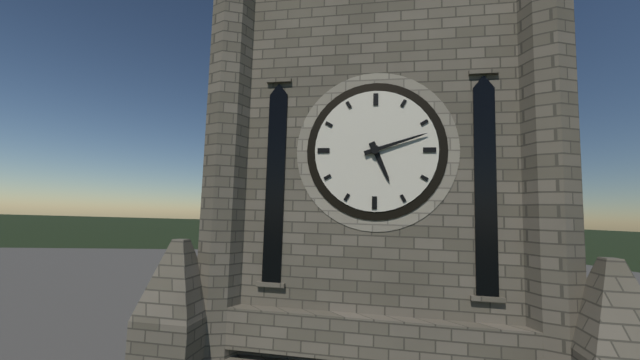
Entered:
5:12
